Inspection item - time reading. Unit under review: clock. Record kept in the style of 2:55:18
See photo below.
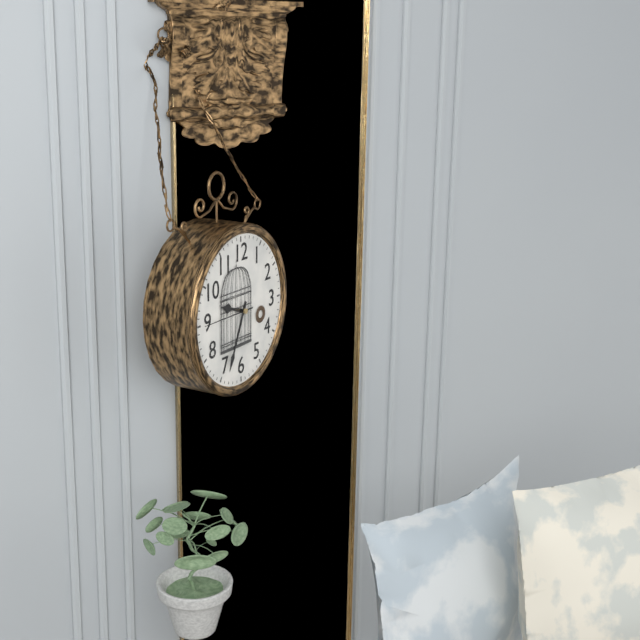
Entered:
9:34:45
